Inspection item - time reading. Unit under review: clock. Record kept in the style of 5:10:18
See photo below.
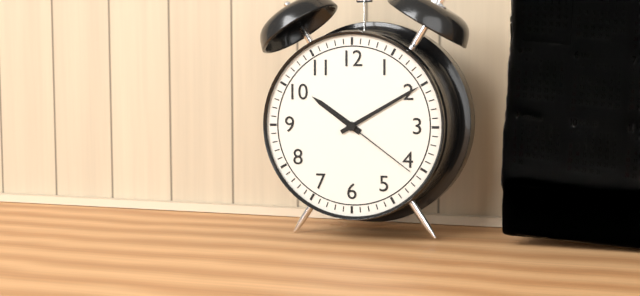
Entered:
10:10:21
